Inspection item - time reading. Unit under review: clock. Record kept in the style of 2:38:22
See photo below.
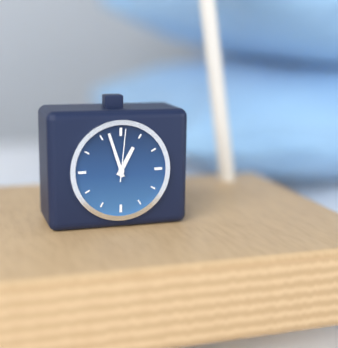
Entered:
12:57:01
